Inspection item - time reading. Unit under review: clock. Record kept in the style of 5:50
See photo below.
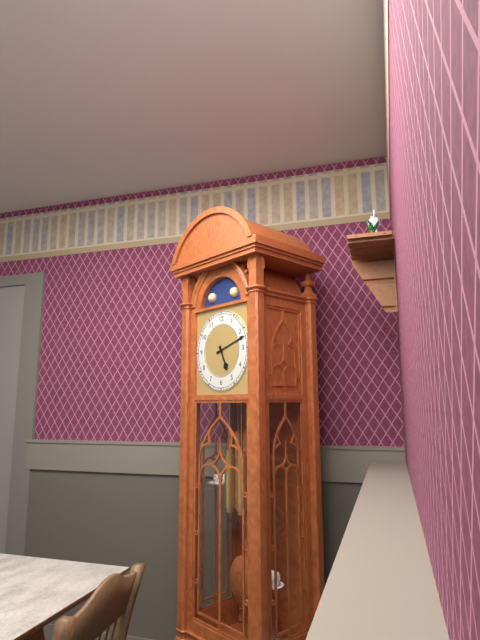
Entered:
5:12
